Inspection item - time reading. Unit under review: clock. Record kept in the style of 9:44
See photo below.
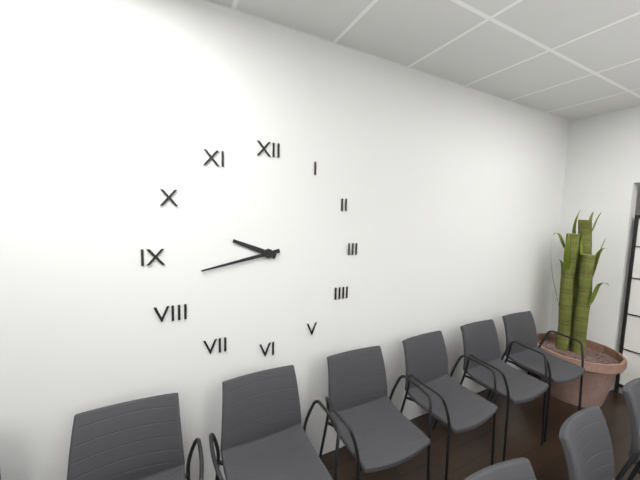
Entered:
9:43
